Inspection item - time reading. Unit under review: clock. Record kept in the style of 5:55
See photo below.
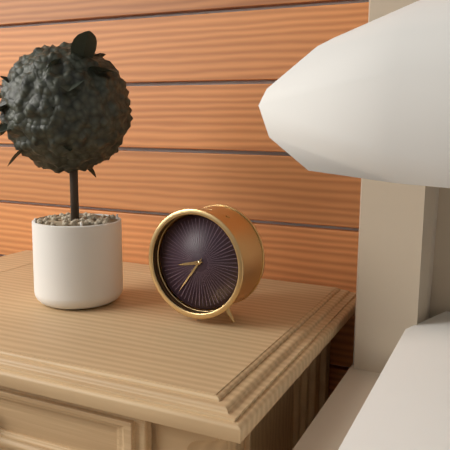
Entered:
8:36
